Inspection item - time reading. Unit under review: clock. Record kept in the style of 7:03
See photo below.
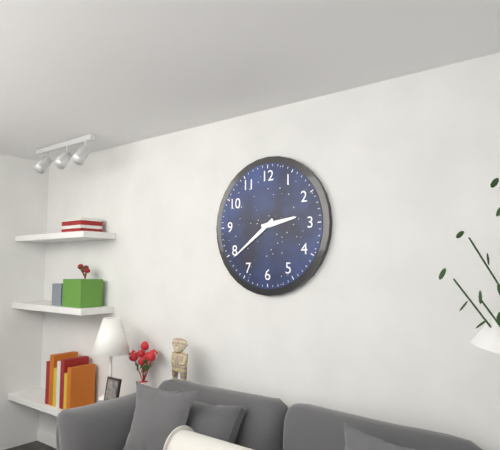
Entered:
2:39
